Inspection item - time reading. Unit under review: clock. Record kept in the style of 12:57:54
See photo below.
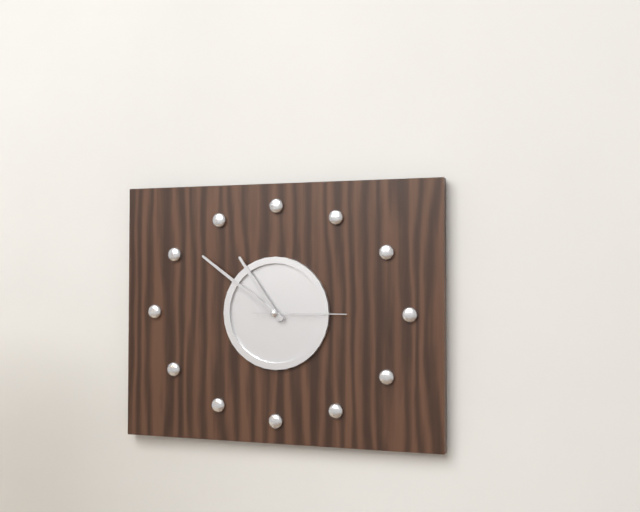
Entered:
10:51:15
